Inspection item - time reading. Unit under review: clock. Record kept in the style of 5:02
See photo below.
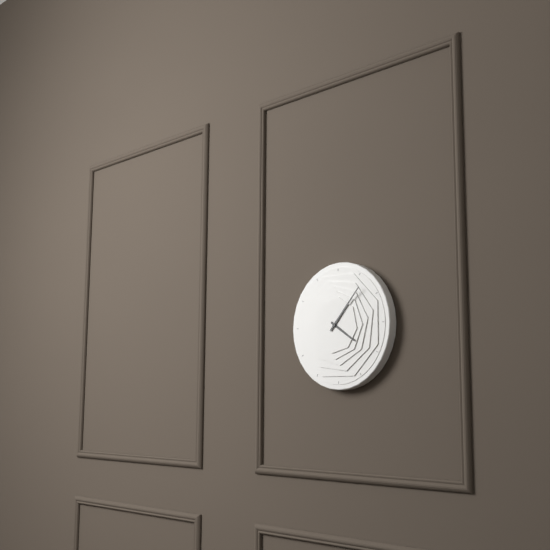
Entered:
4:07
